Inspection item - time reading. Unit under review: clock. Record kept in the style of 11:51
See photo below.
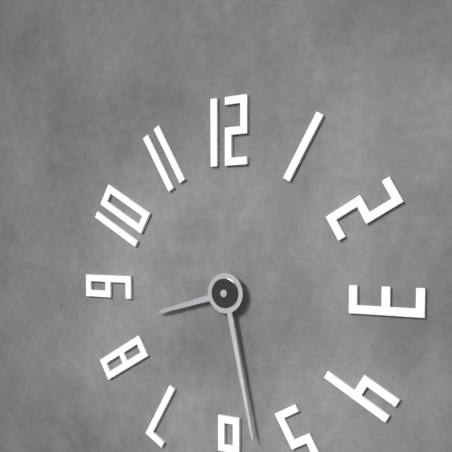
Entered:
8:28
